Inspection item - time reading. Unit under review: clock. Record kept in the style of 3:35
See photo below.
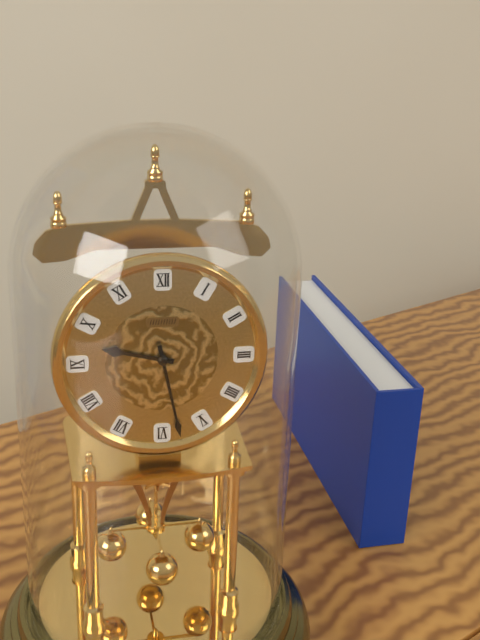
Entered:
9:28
